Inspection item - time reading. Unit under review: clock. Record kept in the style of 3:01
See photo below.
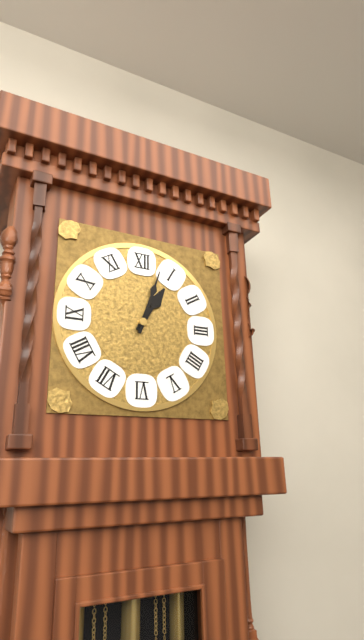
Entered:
1:03
